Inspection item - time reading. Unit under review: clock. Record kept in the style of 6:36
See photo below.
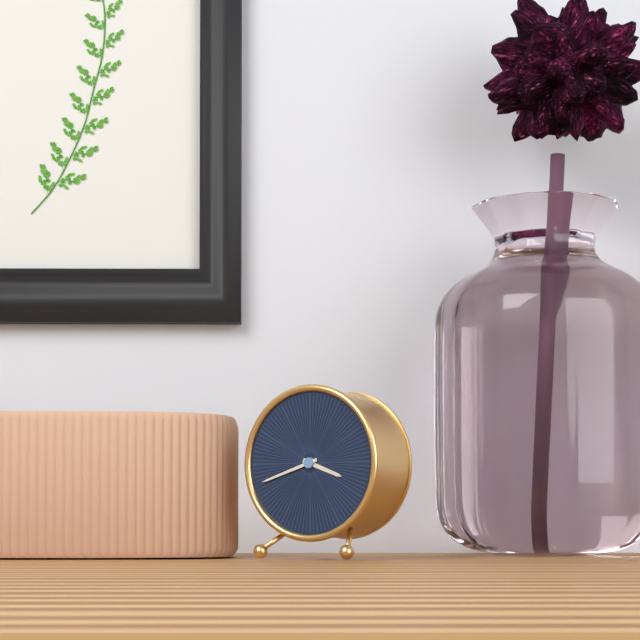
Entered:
3:42
